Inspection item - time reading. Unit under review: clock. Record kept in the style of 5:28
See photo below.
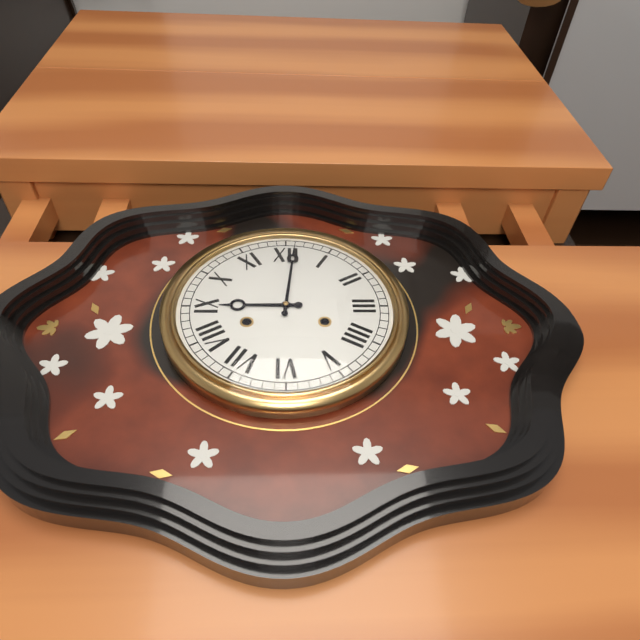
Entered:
9:01
